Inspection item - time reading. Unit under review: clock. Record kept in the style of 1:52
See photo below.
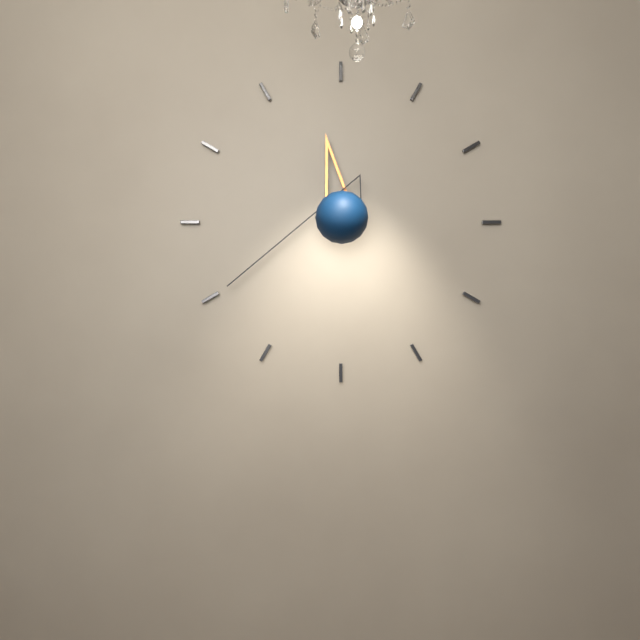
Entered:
11:40
